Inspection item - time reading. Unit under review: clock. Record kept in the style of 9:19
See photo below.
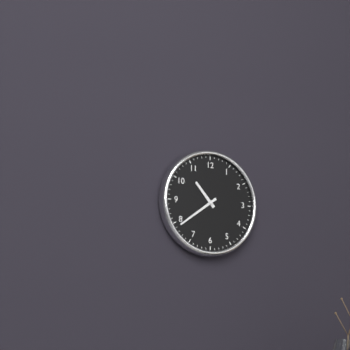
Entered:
10:39
